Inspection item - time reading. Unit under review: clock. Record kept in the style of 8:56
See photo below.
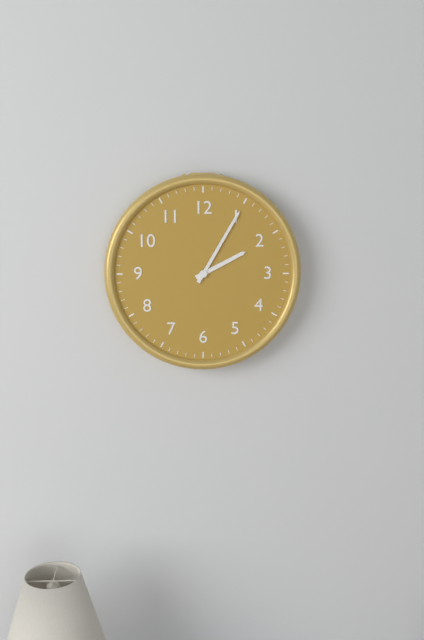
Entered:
2:05
